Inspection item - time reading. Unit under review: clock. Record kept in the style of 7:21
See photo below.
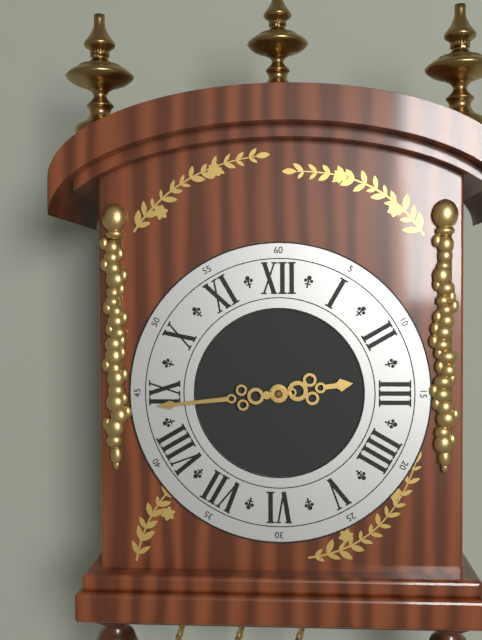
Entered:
2:44
